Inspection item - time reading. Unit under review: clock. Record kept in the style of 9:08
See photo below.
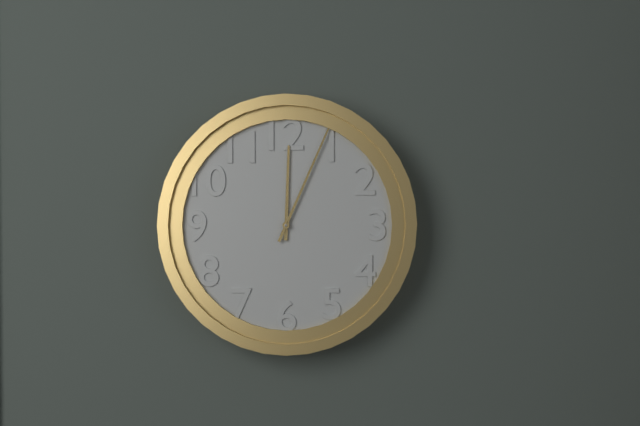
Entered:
12:04
